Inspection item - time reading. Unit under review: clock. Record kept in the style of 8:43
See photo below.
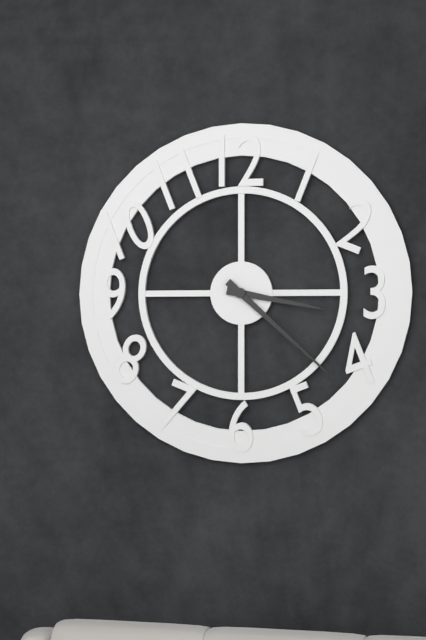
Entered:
3:22
